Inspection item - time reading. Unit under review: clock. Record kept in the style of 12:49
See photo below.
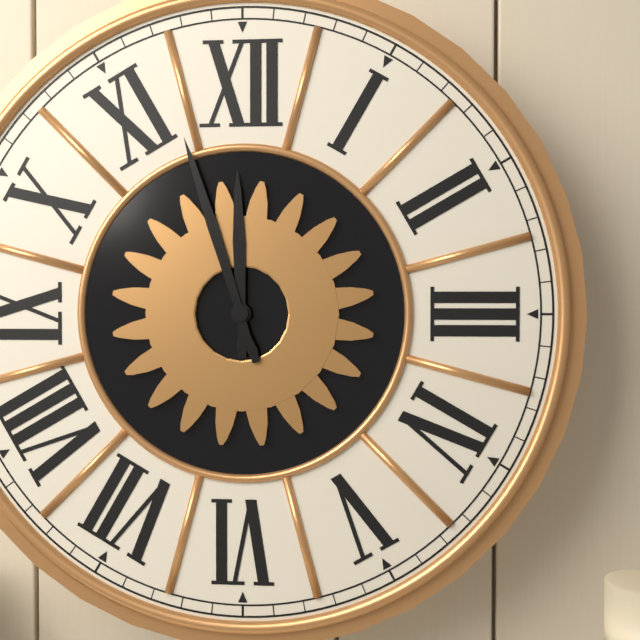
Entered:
11:57
